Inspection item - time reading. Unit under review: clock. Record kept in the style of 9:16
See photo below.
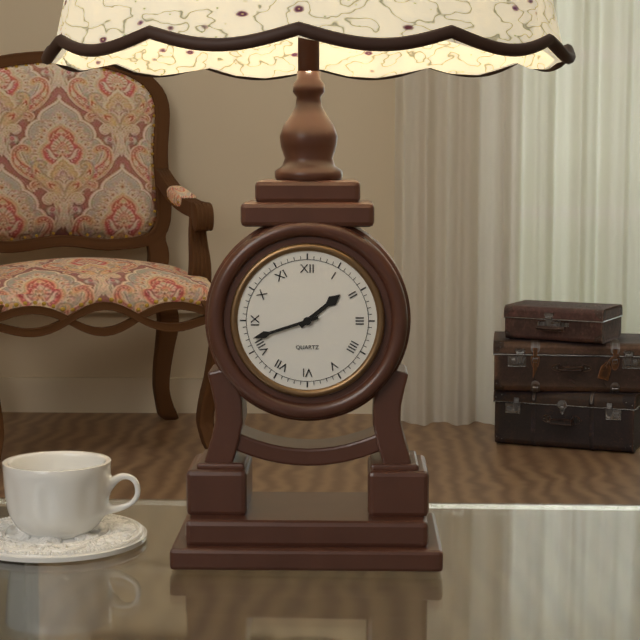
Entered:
1:42
